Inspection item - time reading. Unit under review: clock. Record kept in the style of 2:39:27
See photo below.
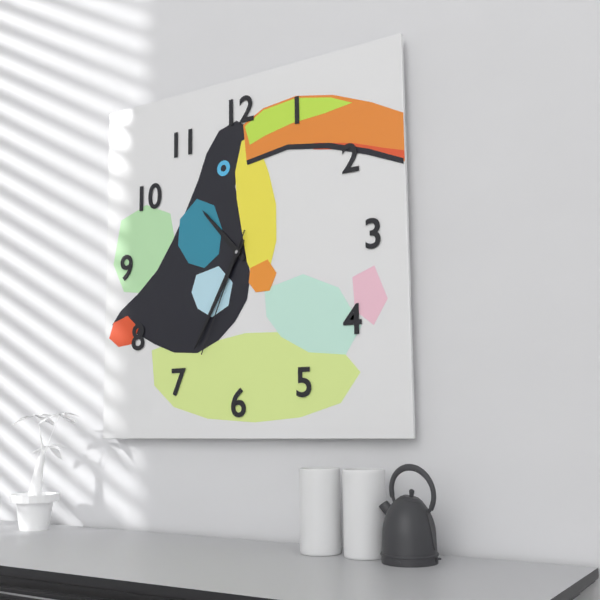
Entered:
10:35:34
